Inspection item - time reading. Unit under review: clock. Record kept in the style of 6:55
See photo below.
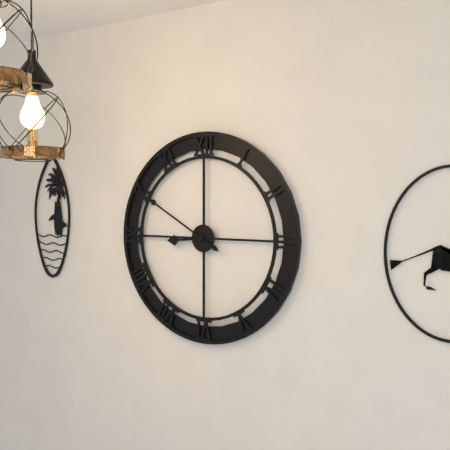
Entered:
8:50
